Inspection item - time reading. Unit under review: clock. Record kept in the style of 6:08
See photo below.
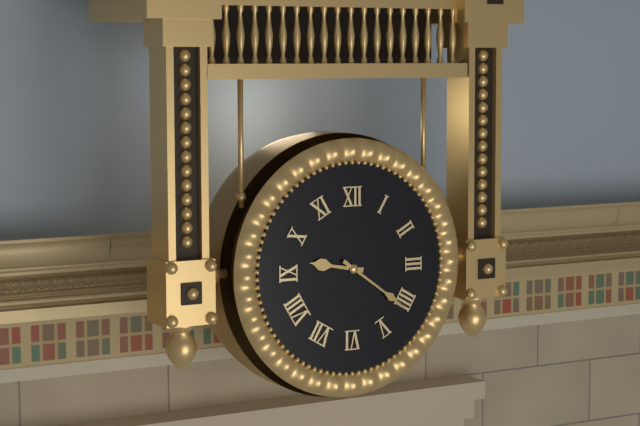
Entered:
9:21
